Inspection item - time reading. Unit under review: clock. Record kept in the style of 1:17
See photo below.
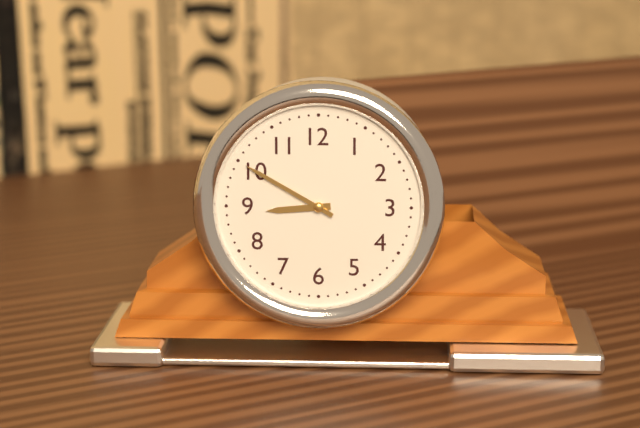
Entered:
8:50
